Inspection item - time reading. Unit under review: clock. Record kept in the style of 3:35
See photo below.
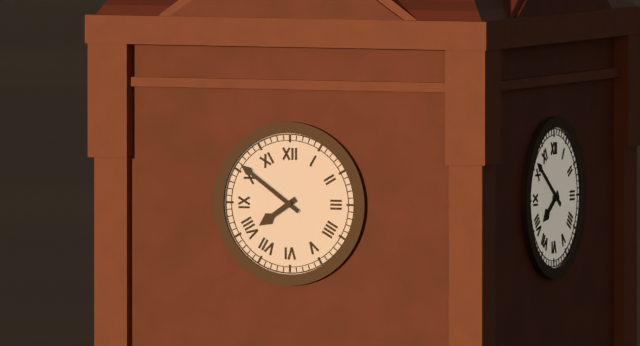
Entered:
7:51
